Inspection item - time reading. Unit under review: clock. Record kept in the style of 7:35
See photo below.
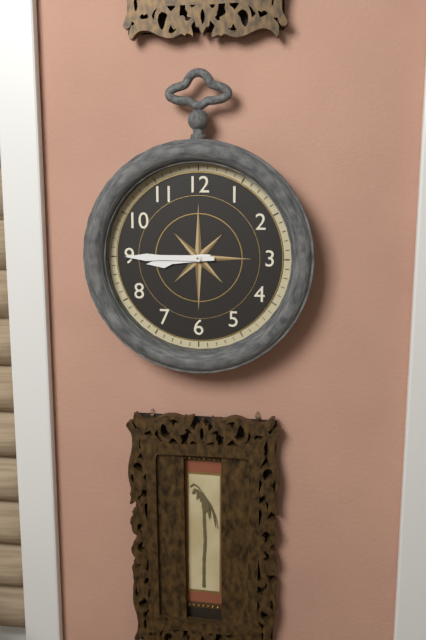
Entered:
8:45
